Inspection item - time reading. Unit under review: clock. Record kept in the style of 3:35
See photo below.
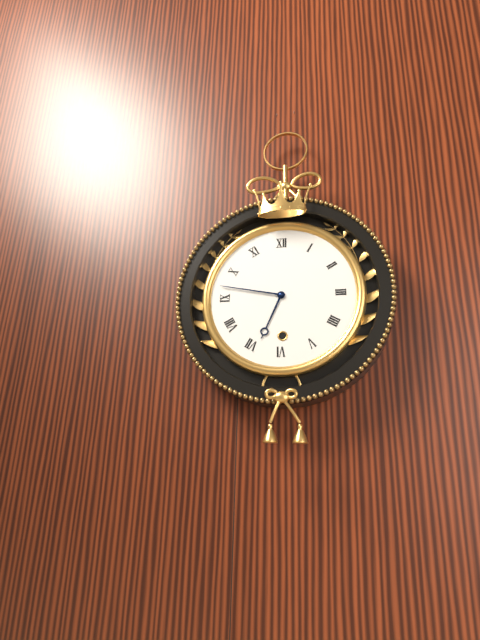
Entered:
6:47
